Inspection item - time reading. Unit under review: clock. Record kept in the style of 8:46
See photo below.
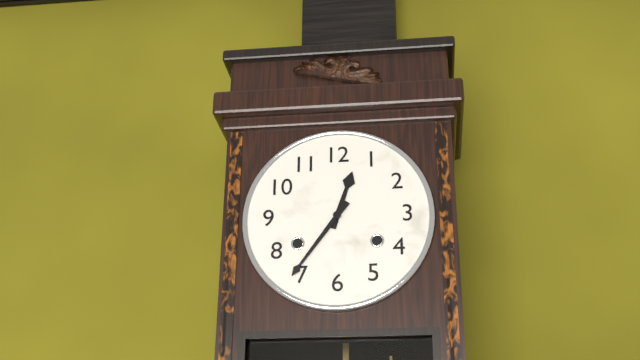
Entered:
12:36
